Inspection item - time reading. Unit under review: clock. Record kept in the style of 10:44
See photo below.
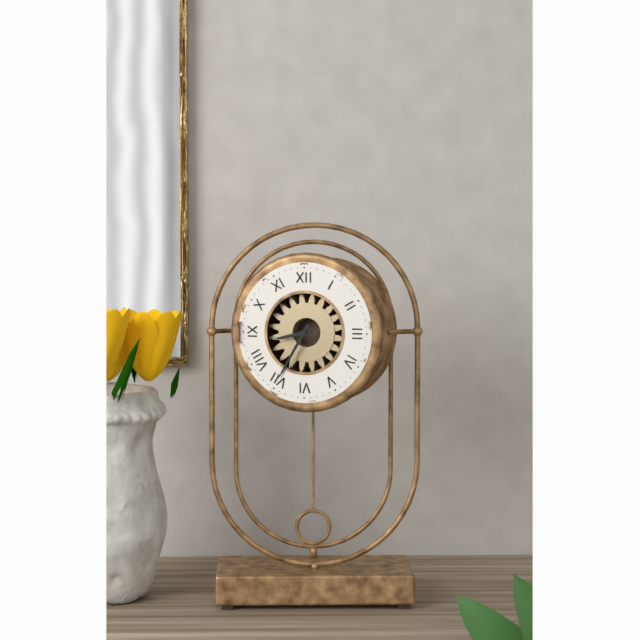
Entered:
8:35
